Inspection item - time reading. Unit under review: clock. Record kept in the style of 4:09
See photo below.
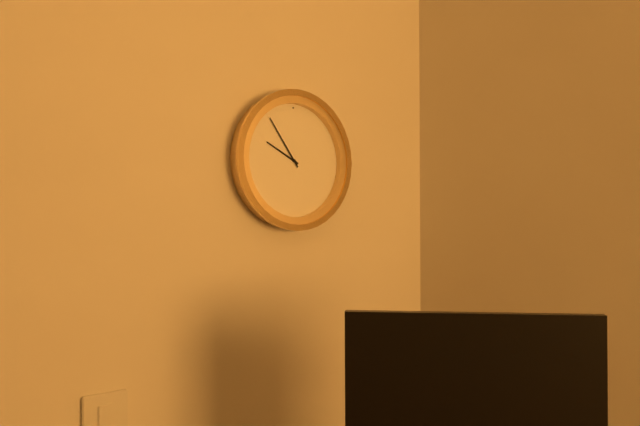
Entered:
9:54
